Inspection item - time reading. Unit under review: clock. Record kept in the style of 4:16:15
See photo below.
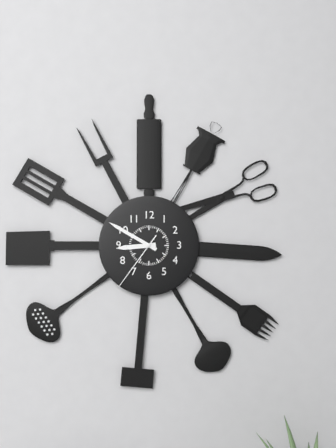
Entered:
8:50:36
